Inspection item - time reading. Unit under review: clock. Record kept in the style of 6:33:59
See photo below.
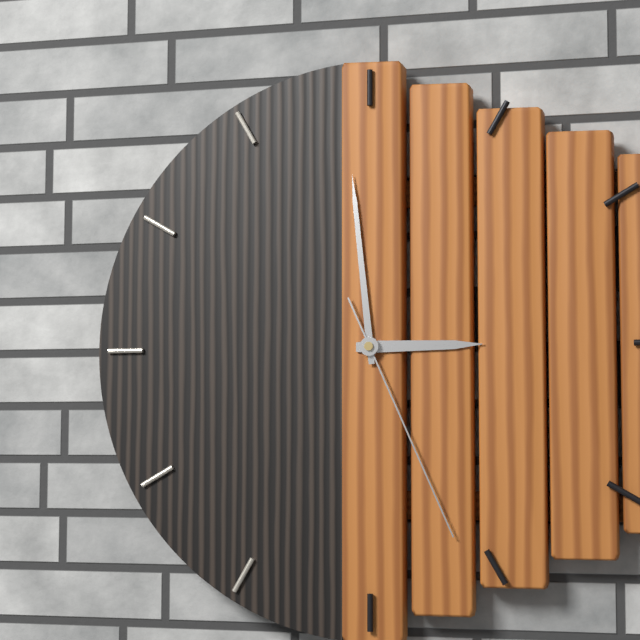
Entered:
2:59:26
